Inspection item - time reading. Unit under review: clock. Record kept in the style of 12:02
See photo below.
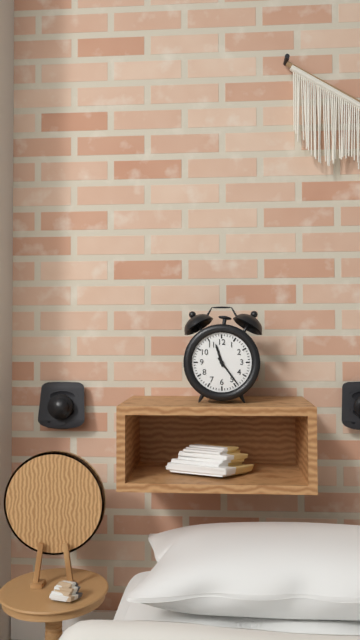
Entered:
11:24
